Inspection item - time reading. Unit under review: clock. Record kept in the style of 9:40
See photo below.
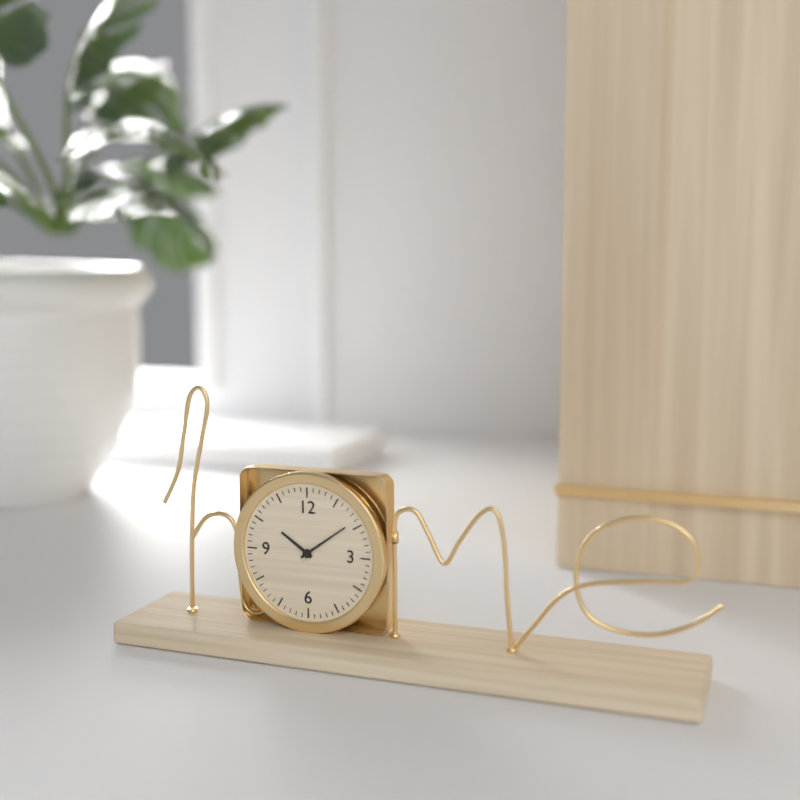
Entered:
10:09
